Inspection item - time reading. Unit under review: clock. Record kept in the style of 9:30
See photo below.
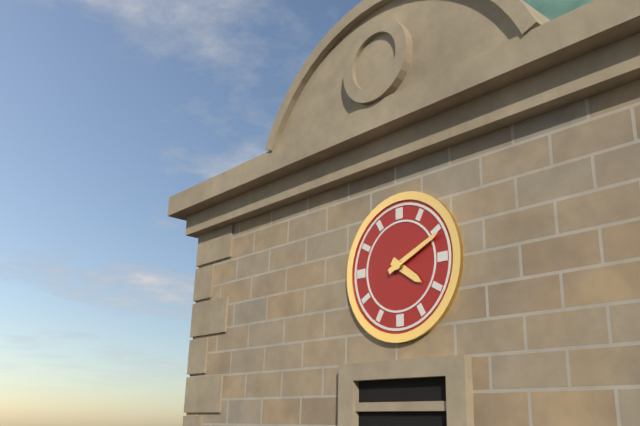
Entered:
4:11
